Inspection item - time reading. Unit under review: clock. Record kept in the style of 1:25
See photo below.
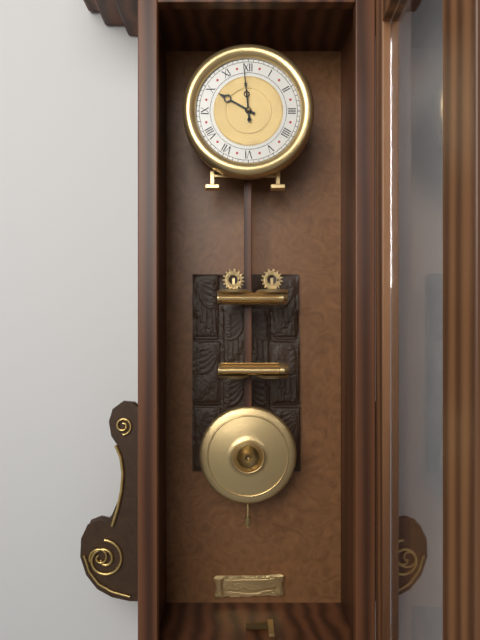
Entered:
9:59
